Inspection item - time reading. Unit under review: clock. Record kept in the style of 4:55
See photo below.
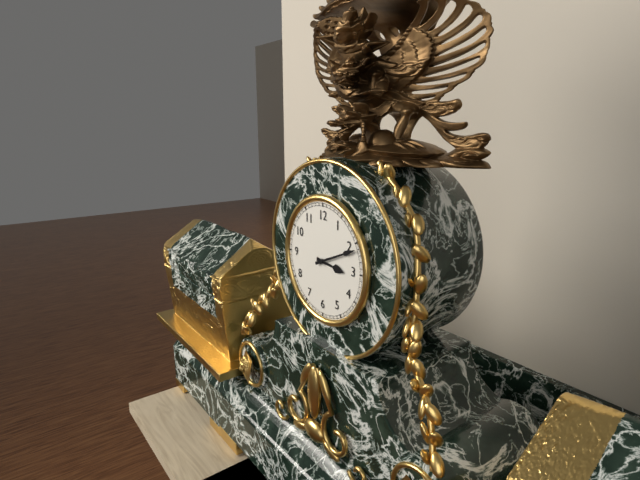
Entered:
3:11
